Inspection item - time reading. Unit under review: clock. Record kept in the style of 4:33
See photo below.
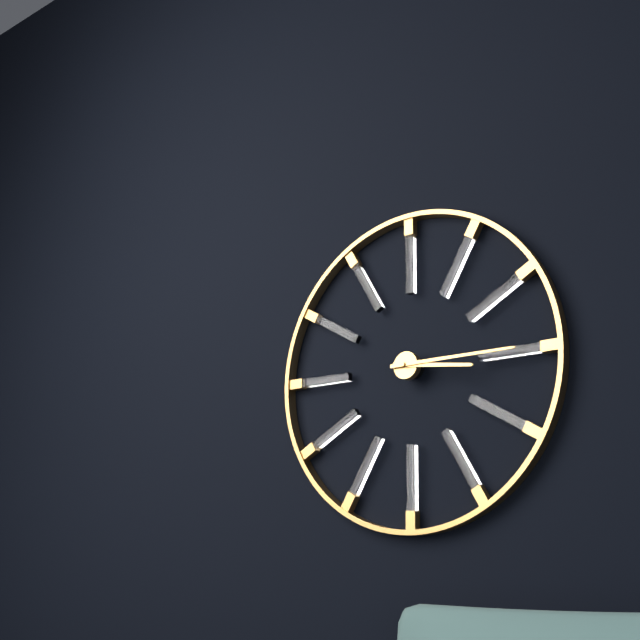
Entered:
3:15
